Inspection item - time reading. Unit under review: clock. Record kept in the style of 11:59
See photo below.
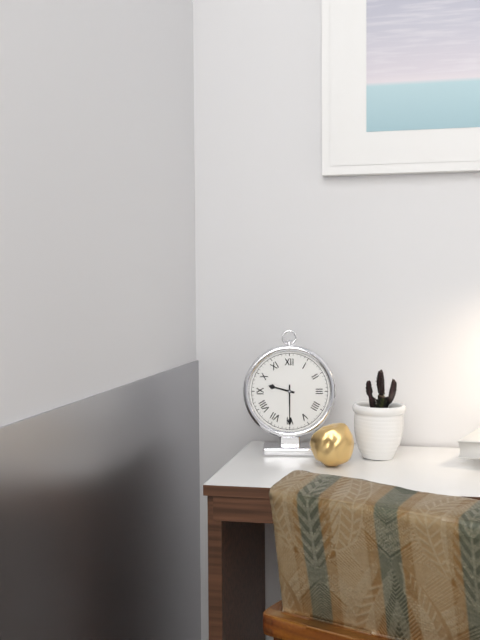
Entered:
9:30
